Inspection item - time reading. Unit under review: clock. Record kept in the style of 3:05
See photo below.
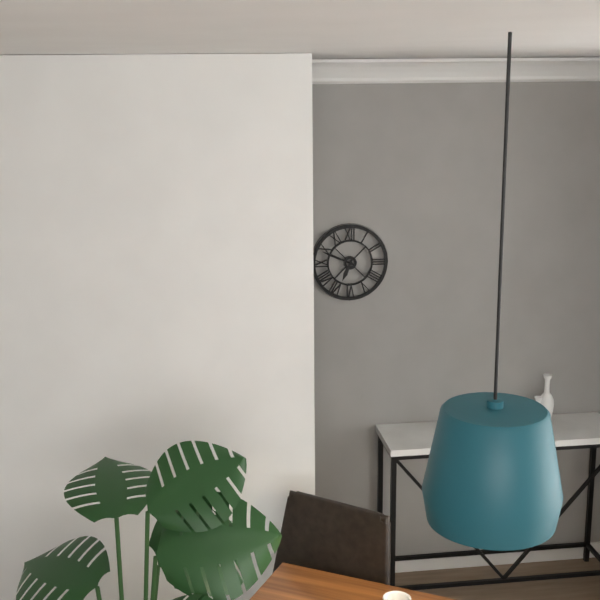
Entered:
6:49
